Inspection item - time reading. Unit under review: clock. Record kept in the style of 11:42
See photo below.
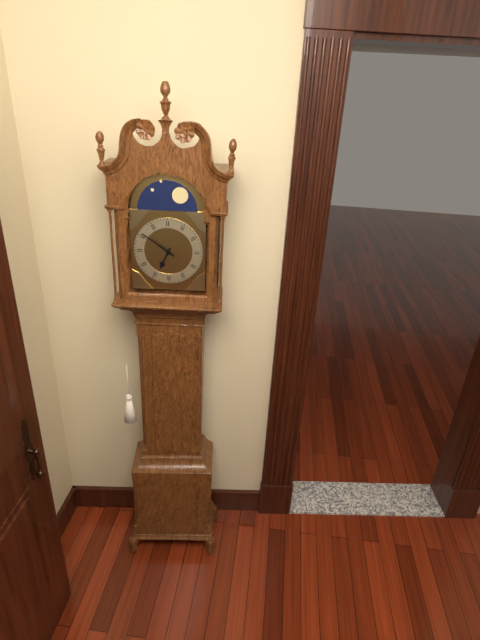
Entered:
6:51
